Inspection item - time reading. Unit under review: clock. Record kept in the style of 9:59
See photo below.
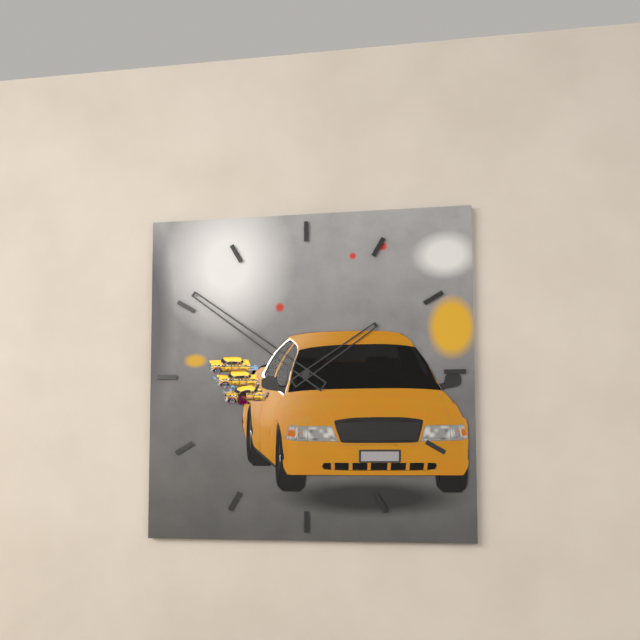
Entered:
1:51
